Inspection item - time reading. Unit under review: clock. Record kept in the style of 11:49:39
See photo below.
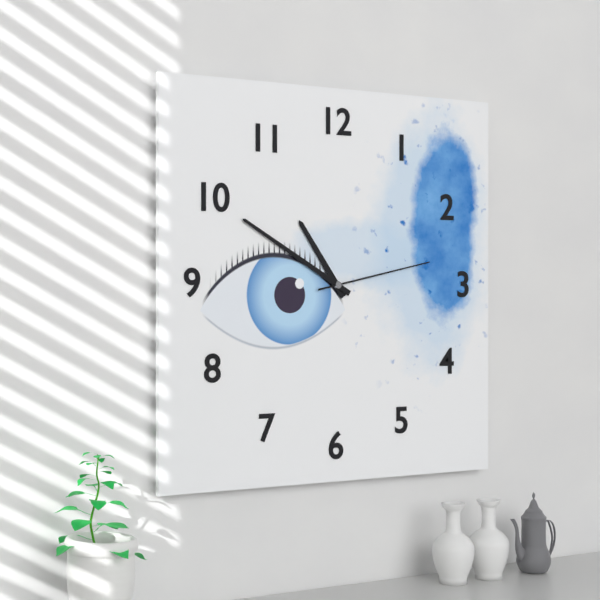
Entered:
10:50:13
